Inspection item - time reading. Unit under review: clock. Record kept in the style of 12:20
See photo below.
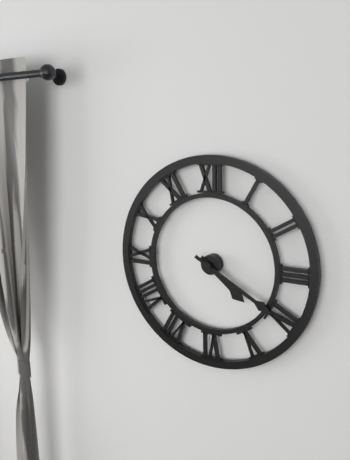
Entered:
4:20
